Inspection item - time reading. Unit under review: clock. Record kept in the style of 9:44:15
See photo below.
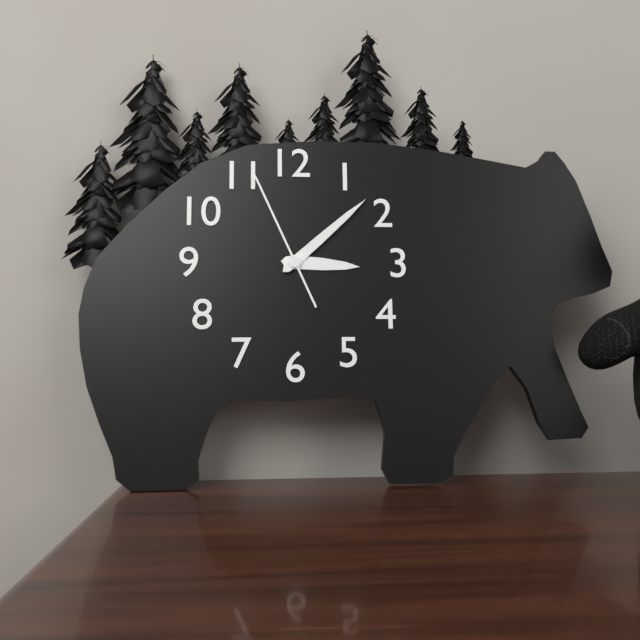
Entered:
3:08:56
